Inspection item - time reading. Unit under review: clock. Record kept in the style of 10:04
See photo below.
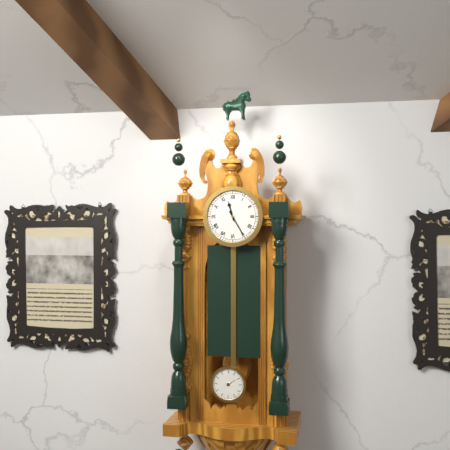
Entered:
11:25
